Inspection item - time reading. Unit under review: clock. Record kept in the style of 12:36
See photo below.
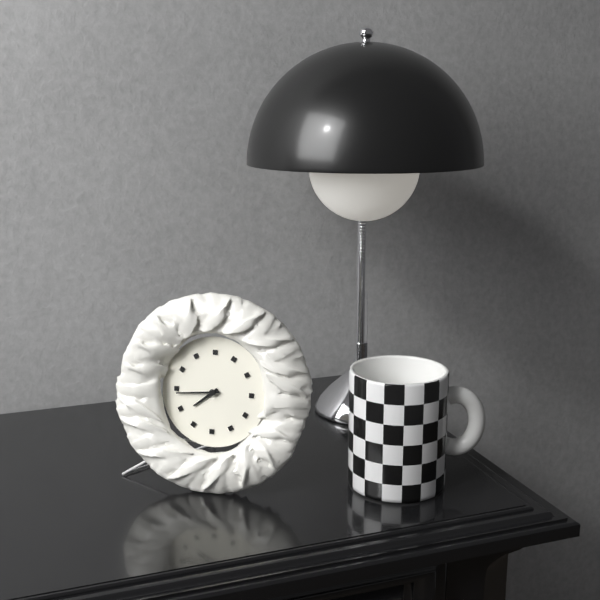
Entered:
7:44
